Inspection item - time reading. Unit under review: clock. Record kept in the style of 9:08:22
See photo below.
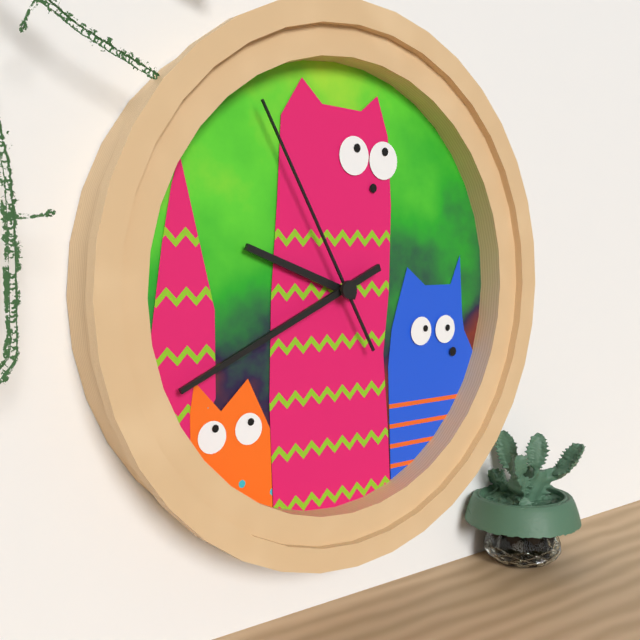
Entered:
9:41:55
